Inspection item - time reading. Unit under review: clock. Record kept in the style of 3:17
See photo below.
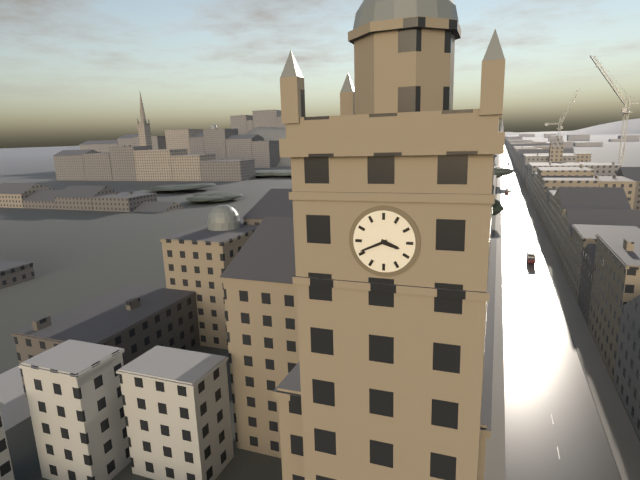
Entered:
3:41
